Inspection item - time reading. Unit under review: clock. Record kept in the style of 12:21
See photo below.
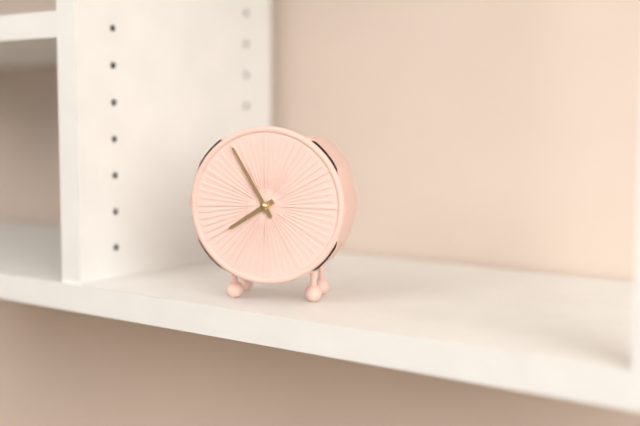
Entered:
7:55
